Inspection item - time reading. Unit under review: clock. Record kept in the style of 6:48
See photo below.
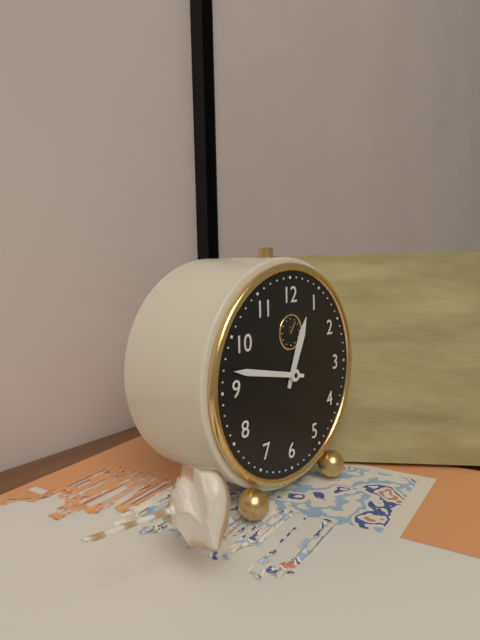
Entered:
12:47
